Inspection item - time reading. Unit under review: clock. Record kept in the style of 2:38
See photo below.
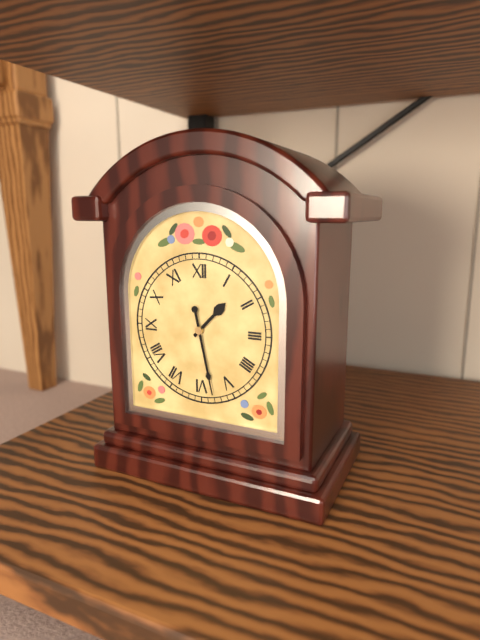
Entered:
1:28
